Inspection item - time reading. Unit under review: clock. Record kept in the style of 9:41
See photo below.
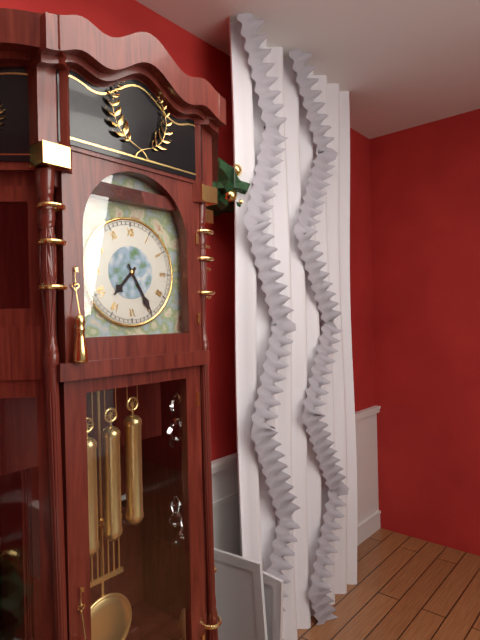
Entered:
7:25
